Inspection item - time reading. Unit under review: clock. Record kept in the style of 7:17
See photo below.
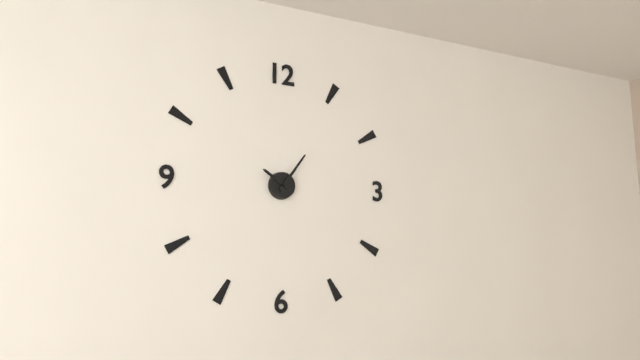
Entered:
10:06
